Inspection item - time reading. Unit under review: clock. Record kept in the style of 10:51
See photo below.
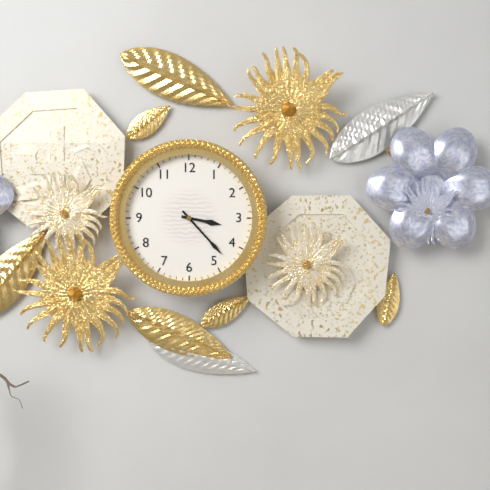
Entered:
3:23
